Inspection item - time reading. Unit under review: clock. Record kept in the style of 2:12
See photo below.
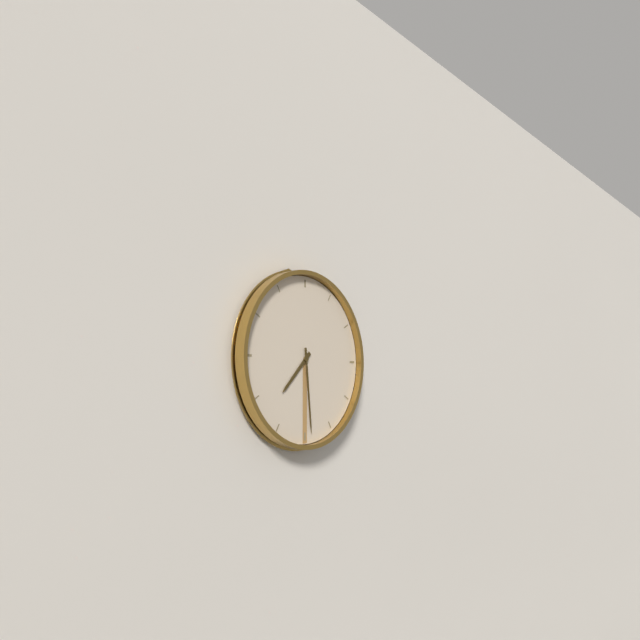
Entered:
7:29
